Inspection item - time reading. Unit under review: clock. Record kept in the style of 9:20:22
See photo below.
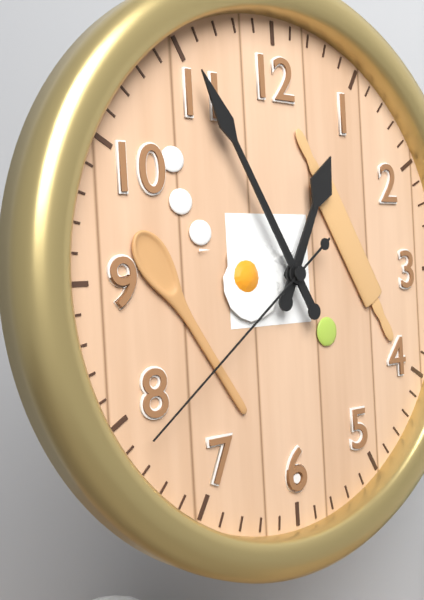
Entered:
12:55:39
